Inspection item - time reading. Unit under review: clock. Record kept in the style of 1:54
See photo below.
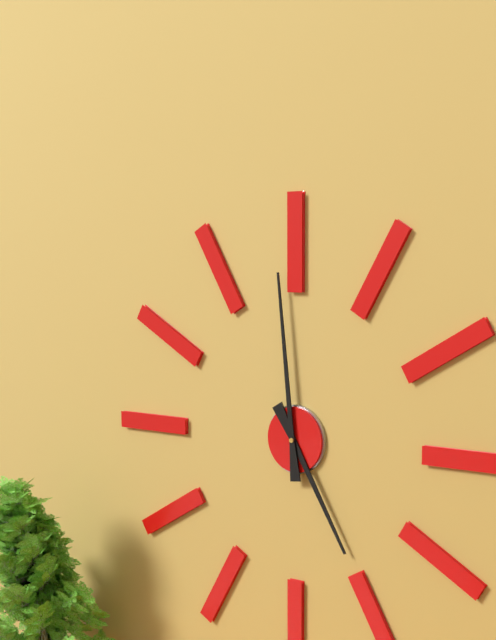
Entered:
4:59
